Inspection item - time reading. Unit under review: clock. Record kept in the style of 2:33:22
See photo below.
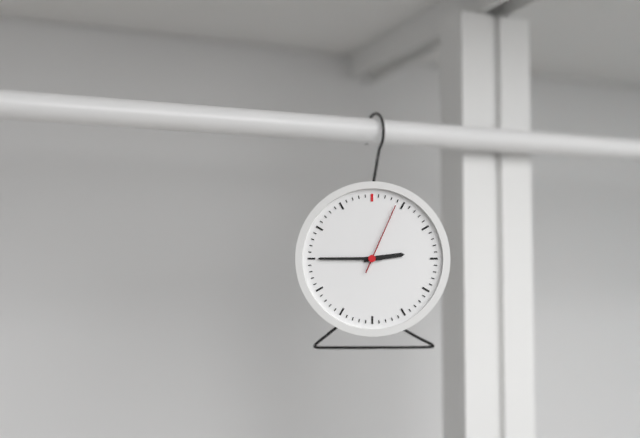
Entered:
2:45:04
